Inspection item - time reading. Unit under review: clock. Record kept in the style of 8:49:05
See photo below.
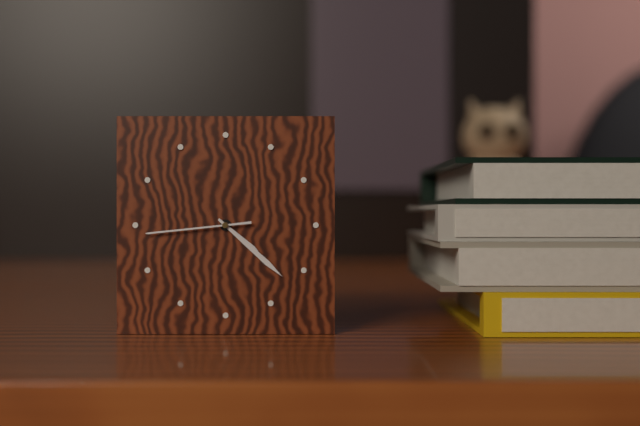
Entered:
4:22:44
